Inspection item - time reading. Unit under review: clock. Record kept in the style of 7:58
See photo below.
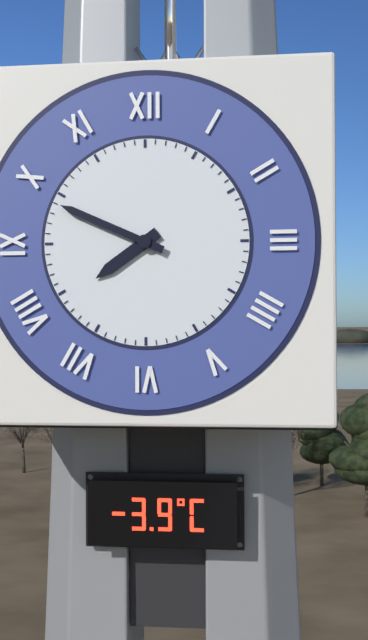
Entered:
7:49
